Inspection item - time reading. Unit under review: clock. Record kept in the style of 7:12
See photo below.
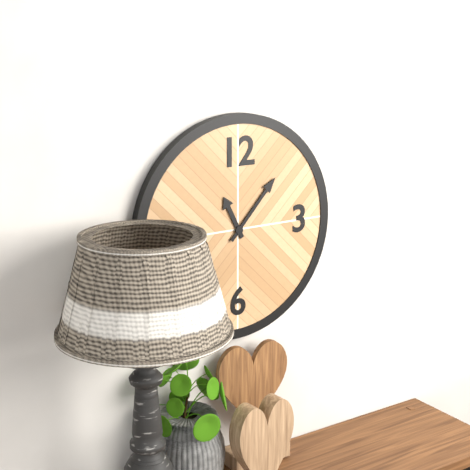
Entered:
11:07
